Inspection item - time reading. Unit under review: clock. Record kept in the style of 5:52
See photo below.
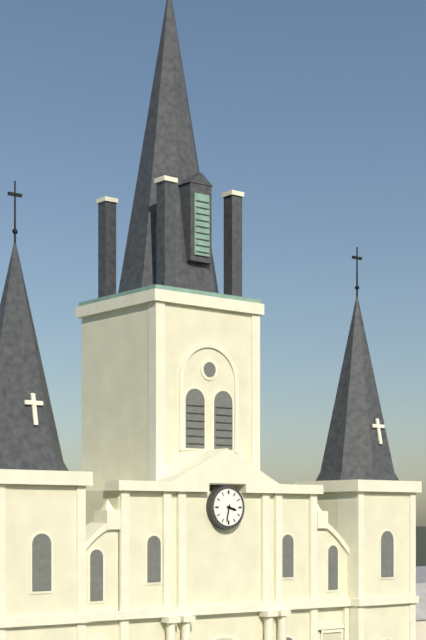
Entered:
3:32
